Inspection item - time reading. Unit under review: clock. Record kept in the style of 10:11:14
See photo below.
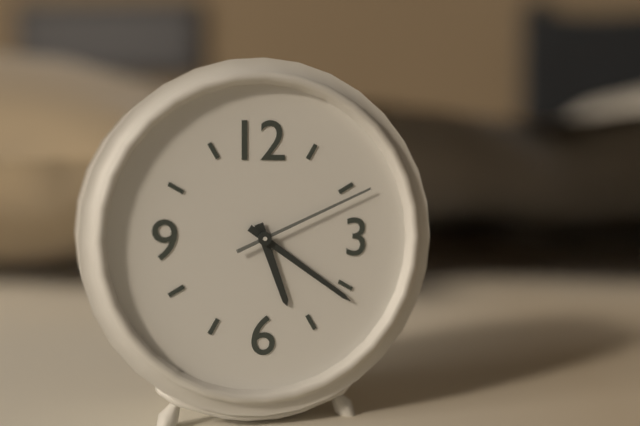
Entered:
5:21:11
